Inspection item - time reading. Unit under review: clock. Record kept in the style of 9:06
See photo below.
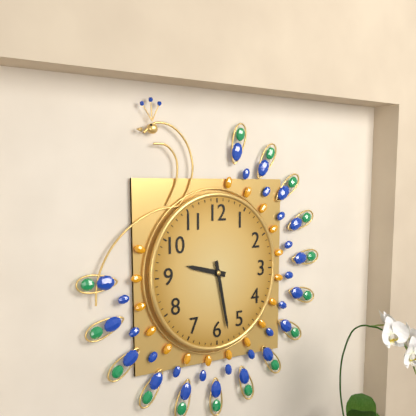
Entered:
9:28
